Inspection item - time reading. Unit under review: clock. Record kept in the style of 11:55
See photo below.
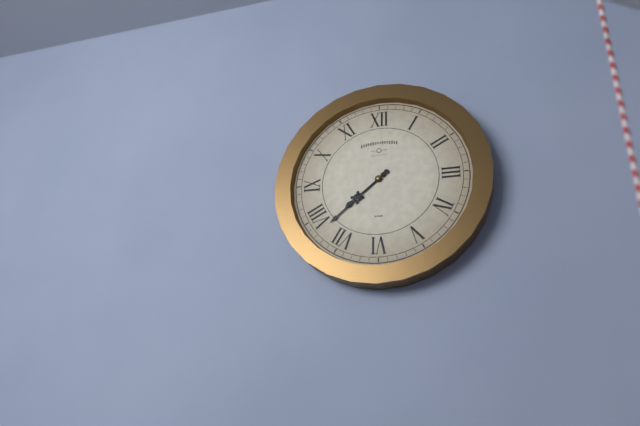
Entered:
7:38
